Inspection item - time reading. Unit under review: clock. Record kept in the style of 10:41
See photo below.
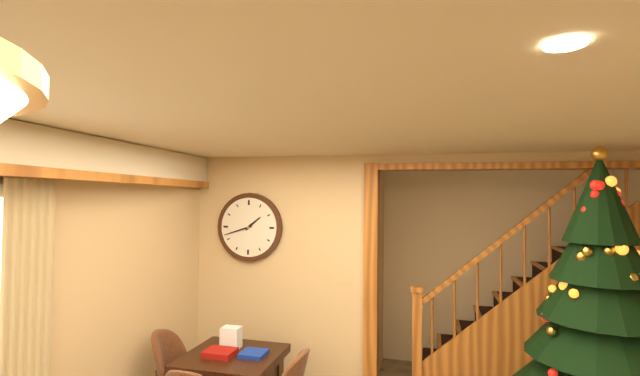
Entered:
1:42
